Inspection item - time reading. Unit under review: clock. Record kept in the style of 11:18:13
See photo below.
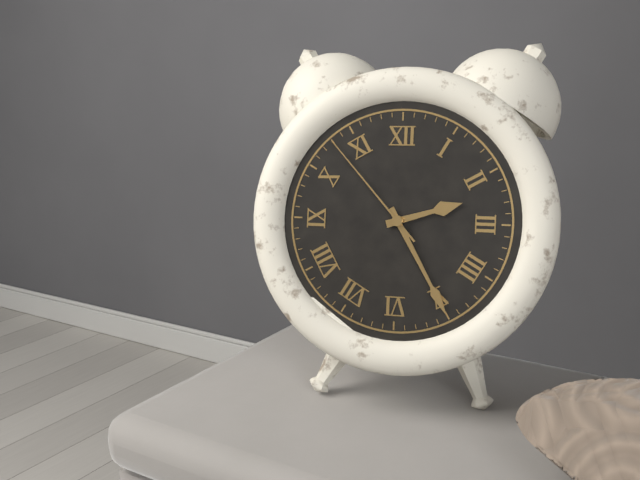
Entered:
2:25:53
